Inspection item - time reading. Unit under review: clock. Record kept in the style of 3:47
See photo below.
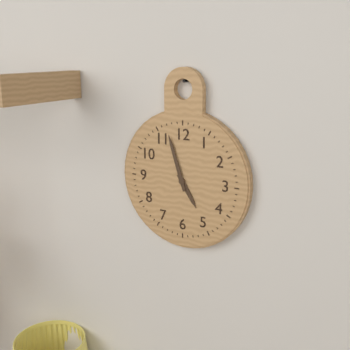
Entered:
4:57
